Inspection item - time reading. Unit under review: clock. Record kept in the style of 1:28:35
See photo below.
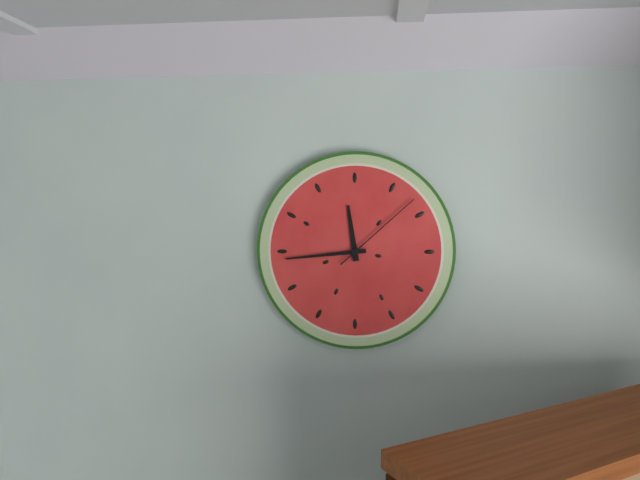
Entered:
11:44:08
